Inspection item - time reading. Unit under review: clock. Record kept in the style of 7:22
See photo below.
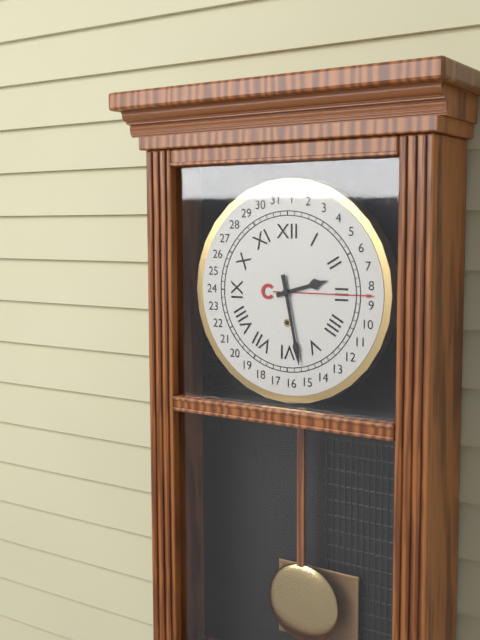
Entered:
2:28
